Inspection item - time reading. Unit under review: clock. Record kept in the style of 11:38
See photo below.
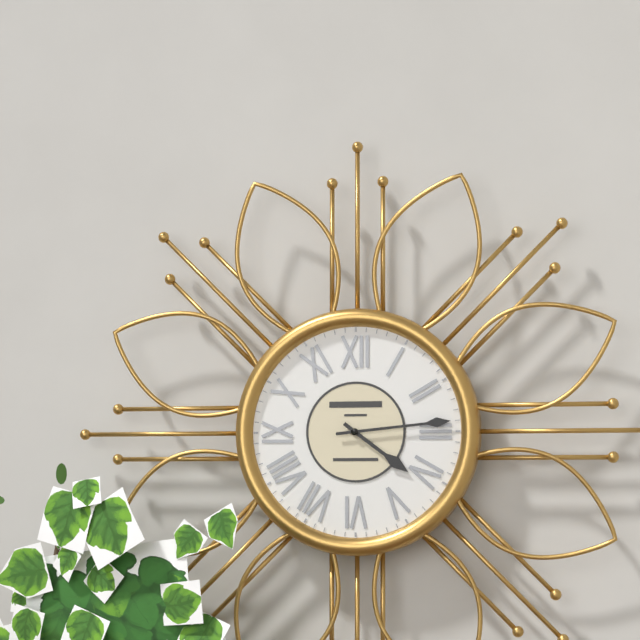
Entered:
4:14
